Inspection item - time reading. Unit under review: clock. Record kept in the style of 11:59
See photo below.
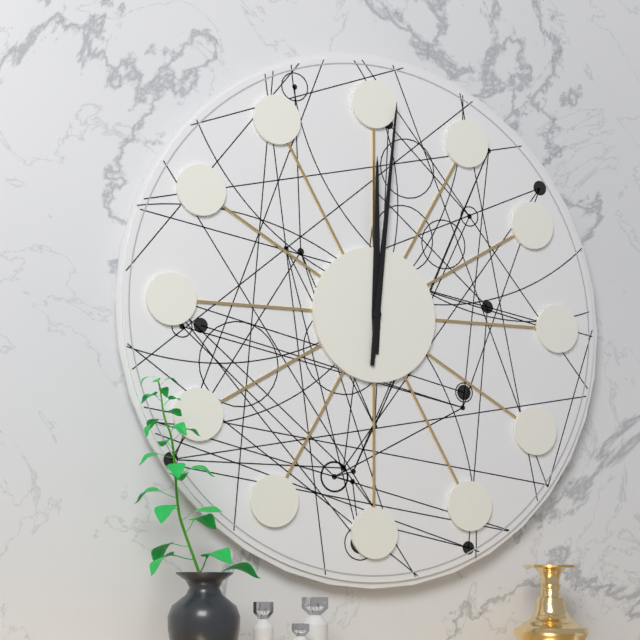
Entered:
12:01
